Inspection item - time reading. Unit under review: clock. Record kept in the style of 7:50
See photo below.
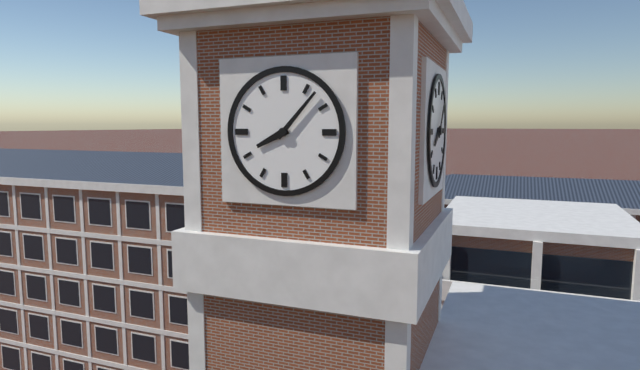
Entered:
8:07
